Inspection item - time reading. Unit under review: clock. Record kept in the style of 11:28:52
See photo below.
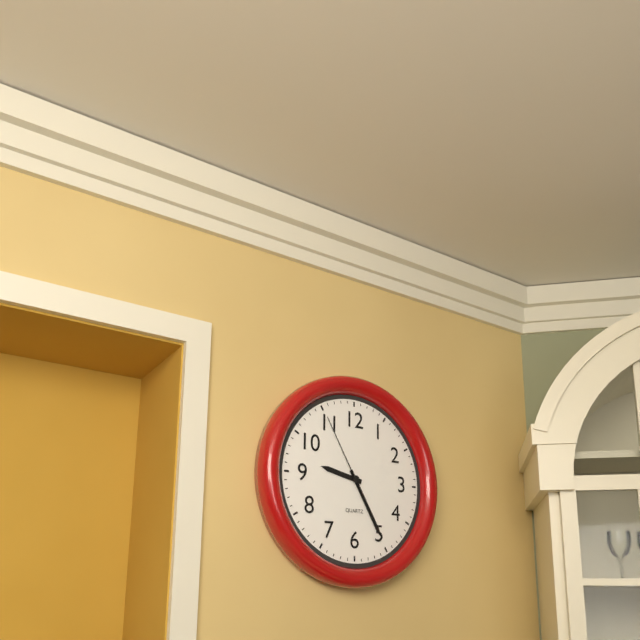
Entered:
9:25:55
